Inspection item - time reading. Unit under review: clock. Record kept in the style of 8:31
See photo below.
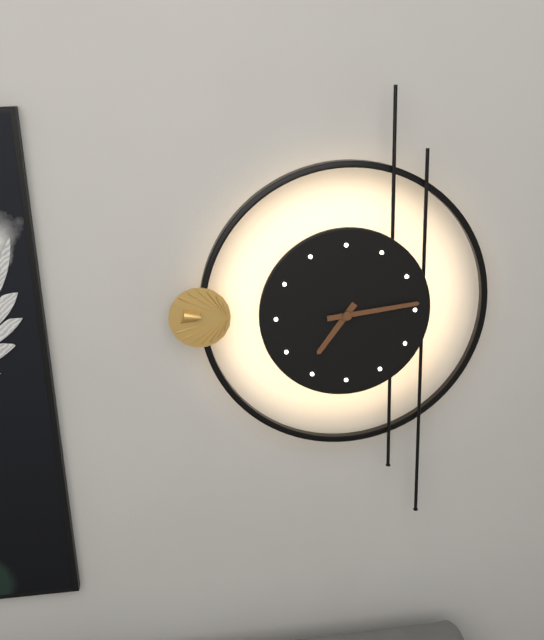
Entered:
7:14
